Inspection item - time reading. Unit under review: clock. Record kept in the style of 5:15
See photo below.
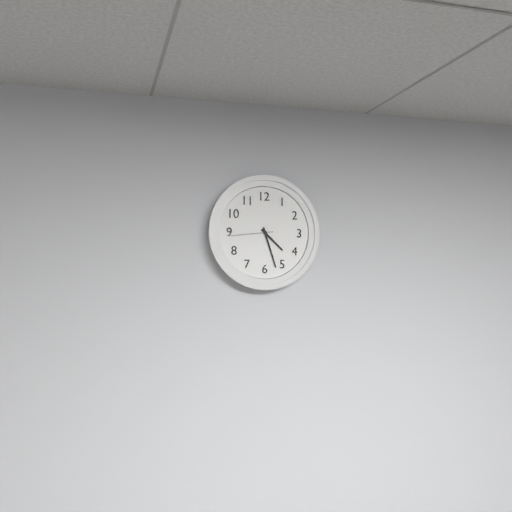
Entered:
4:27
